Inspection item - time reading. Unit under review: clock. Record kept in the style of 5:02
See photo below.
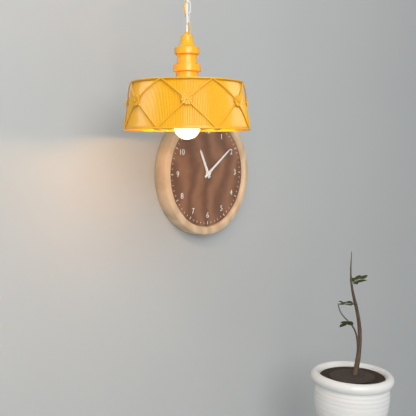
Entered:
11:09
